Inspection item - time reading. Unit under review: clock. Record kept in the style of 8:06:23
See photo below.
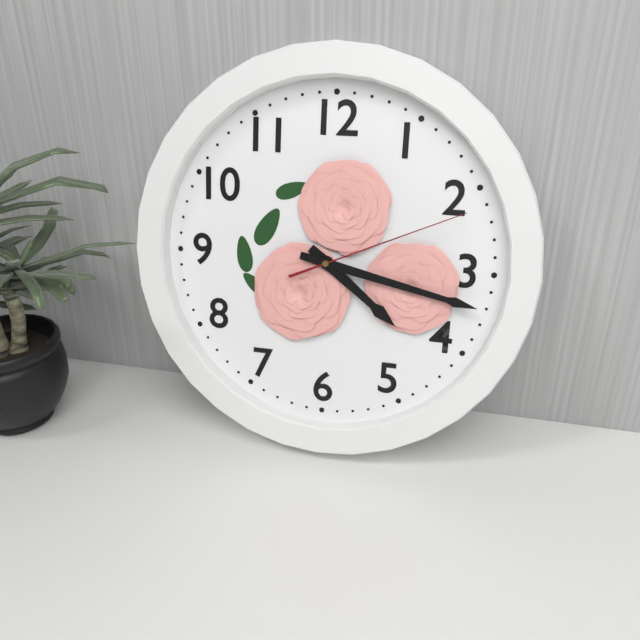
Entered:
4:17:11
